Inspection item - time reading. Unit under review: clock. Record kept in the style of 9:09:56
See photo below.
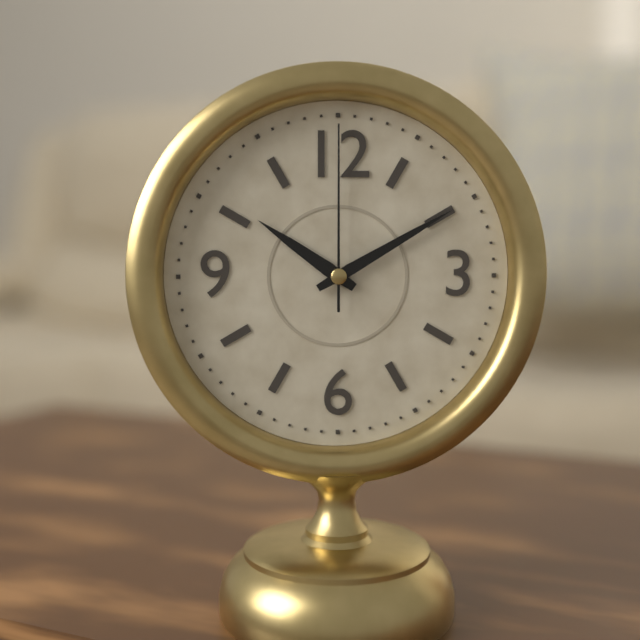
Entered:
10:10:00
